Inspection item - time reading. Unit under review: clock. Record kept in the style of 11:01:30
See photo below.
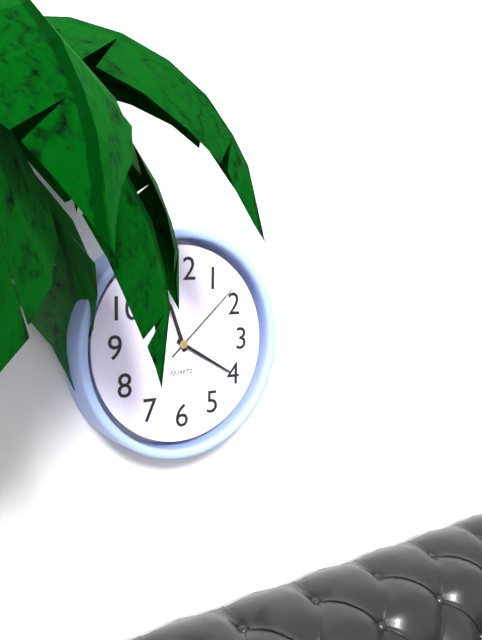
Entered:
11:20:08
